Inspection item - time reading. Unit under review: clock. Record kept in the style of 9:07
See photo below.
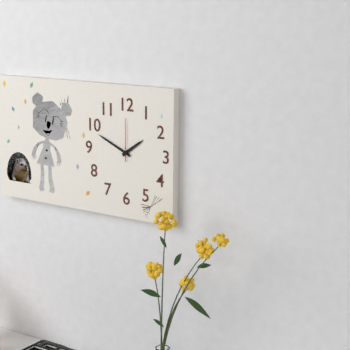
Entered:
1:49
